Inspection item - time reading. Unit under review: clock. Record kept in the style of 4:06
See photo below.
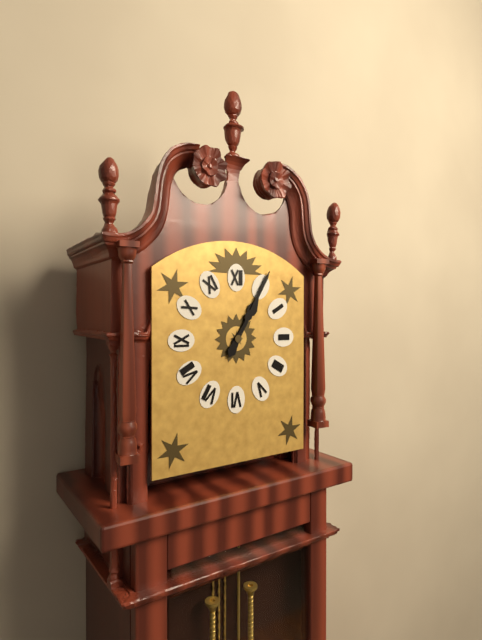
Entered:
1:05
